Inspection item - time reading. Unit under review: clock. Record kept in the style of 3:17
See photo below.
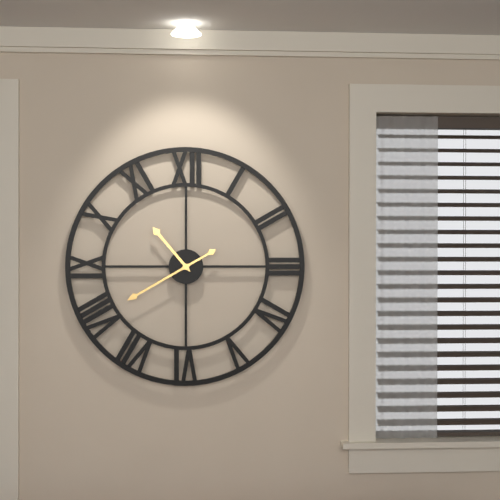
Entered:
10:40
